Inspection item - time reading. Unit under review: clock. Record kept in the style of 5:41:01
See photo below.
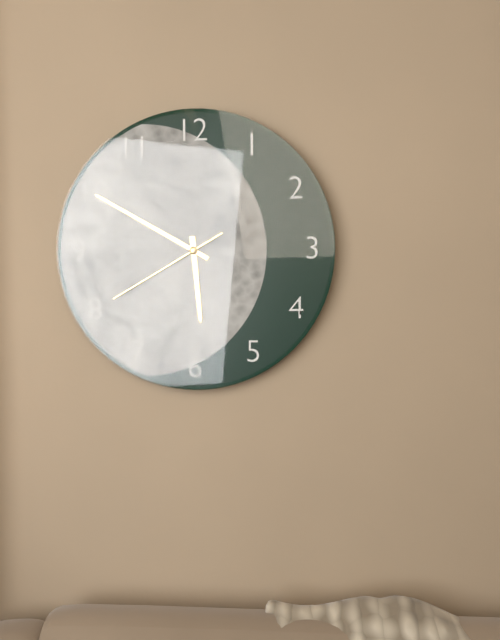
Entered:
5:50:40
